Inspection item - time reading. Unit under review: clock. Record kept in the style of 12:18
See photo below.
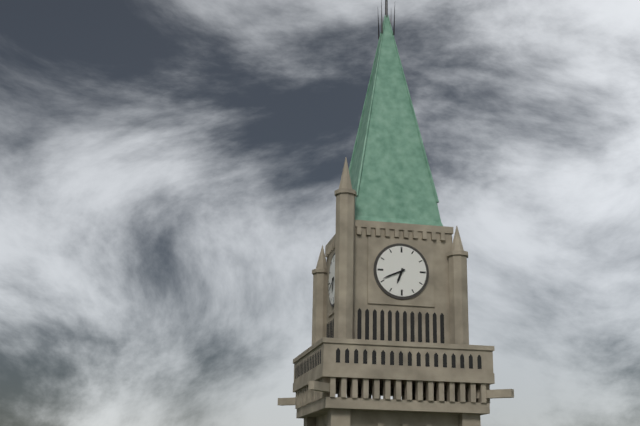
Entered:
6:41
